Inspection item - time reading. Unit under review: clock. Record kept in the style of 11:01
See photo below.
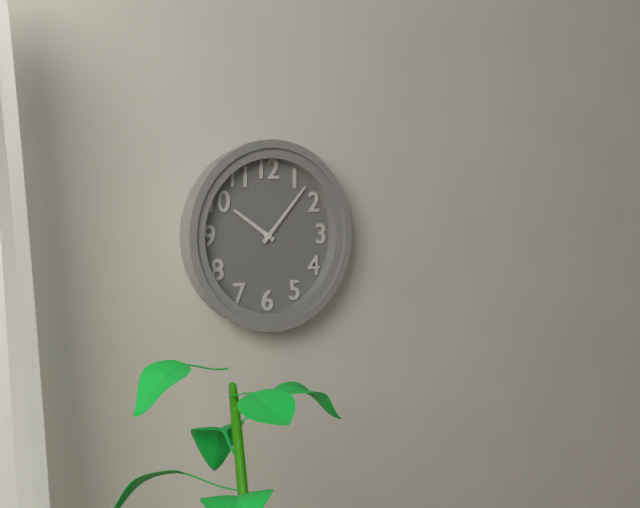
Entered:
10:07
